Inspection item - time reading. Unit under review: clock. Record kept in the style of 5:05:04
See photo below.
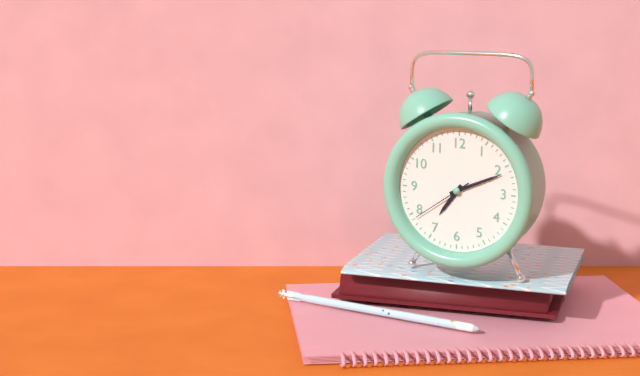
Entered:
7:11:39
